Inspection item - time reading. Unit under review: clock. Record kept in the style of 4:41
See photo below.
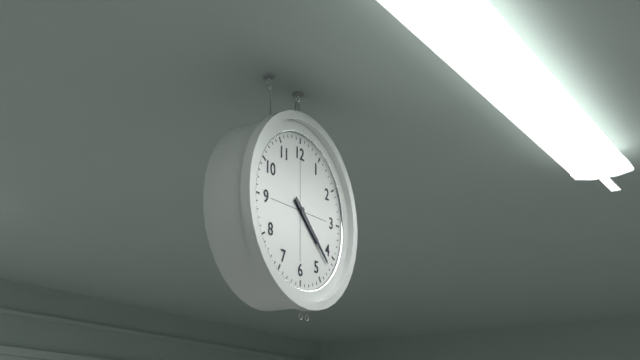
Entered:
4:22
